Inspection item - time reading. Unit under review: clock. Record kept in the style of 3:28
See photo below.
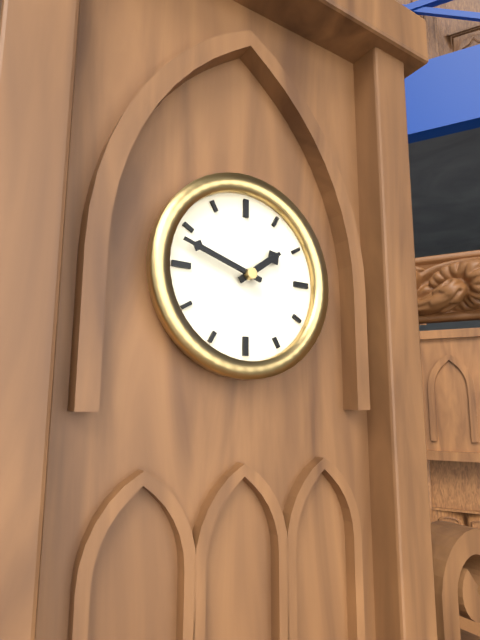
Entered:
1:48
